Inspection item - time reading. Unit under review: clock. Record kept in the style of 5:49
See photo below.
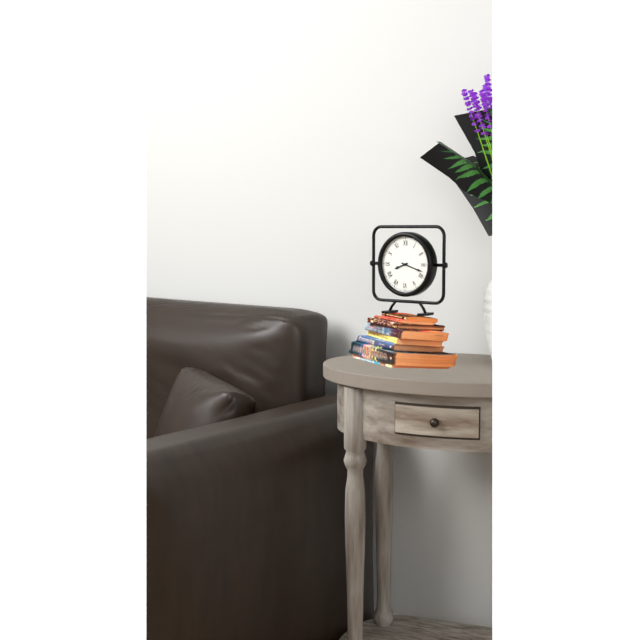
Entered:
8:18
